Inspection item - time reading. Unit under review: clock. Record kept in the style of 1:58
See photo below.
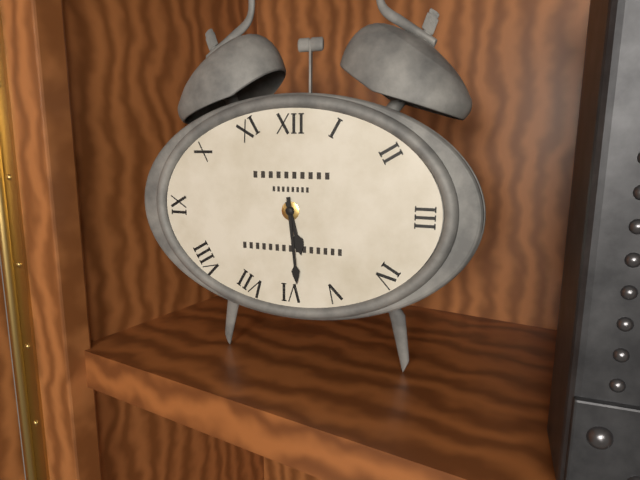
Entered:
5:29
